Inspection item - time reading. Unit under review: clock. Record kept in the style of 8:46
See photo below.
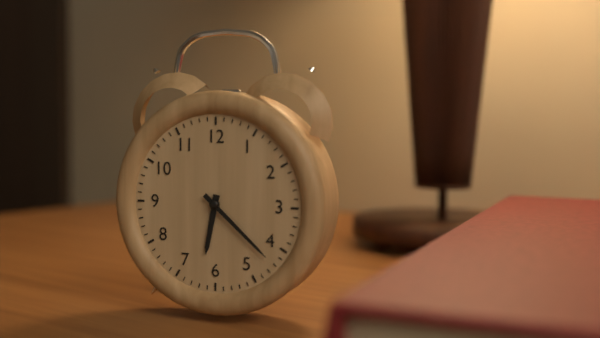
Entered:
6:22
